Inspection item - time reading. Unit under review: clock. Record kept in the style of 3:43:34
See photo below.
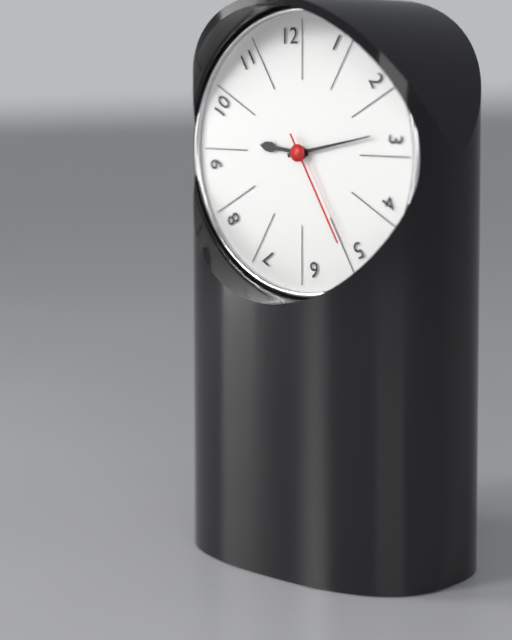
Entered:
9:13:25
